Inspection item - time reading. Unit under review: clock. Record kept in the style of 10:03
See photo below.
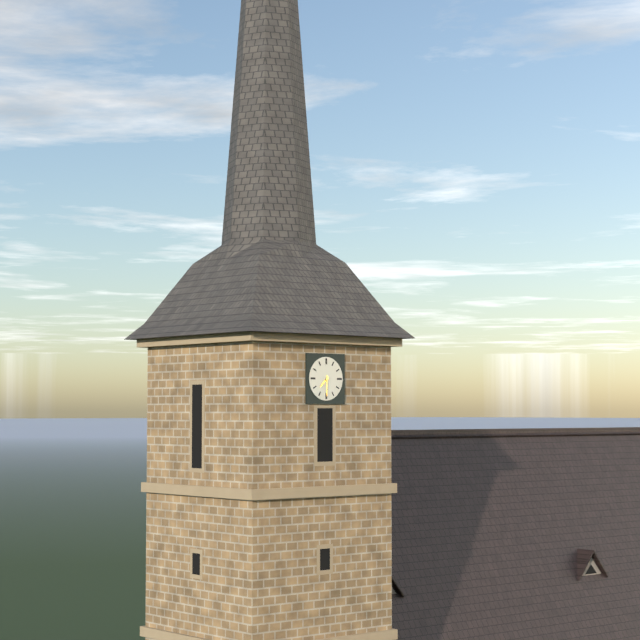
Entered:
7:30
